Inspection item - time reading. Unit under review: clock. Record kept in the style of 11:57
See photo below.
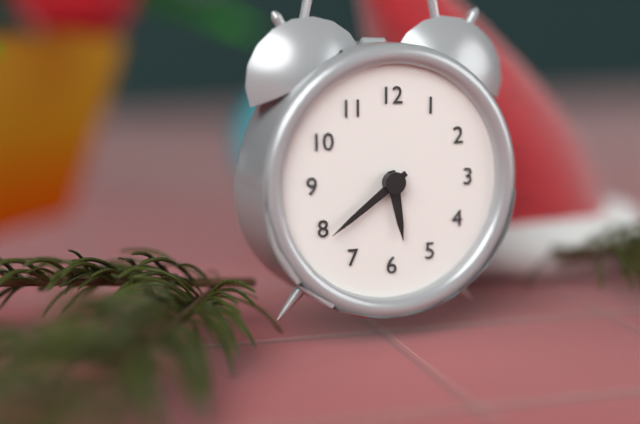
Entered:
5:39
